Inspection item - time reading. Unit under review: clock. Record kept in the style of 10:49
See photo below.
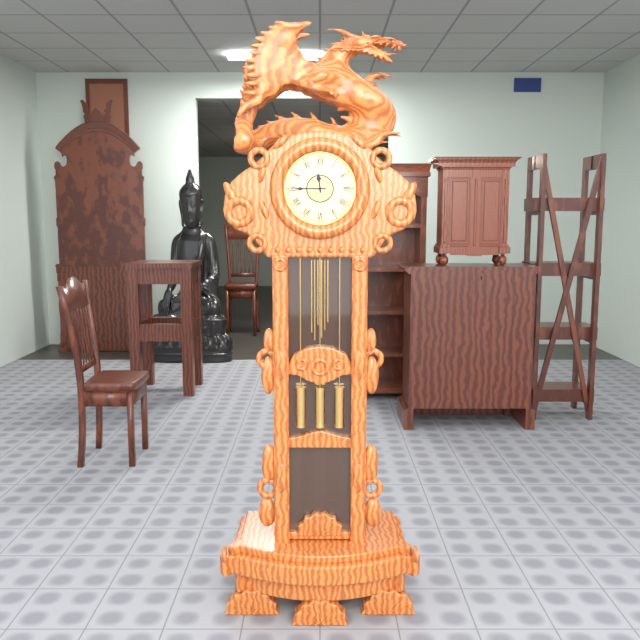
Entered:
11:45
